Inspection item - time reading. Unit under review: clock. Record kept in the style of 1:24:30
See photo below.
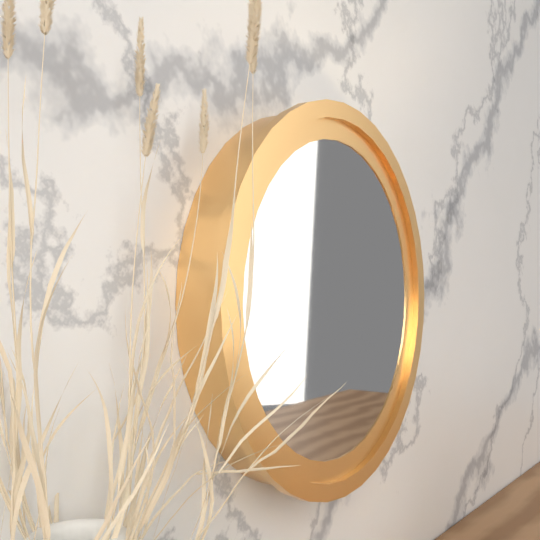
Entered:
7:32:36
